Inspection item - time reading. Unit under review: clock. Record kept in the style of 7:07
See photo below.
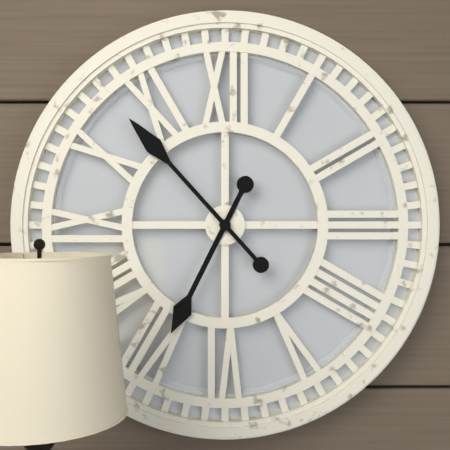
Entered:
6:53
